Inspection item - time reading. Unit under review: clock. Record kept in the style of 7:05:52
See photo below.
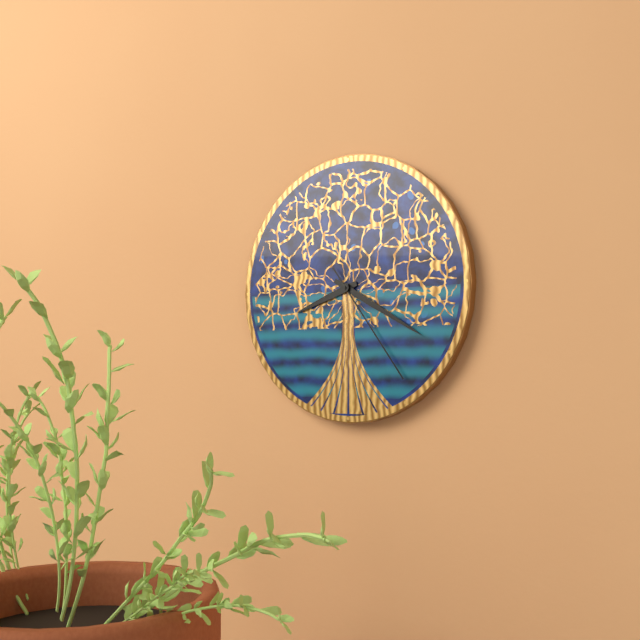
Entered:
8:20:24
